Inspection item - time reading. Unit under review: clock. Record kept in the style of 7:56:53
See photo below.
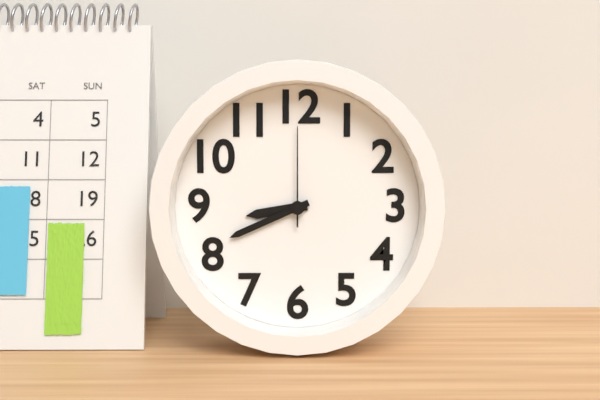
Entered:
8:41:00
